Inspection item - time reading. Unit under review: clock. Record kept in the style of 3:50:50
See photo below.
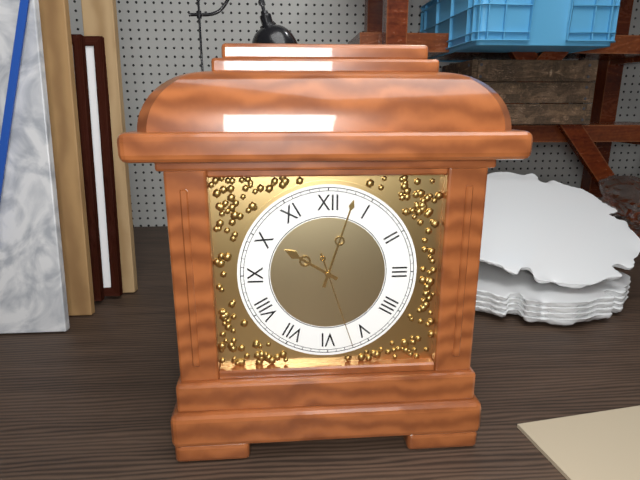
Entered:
10:03:27
